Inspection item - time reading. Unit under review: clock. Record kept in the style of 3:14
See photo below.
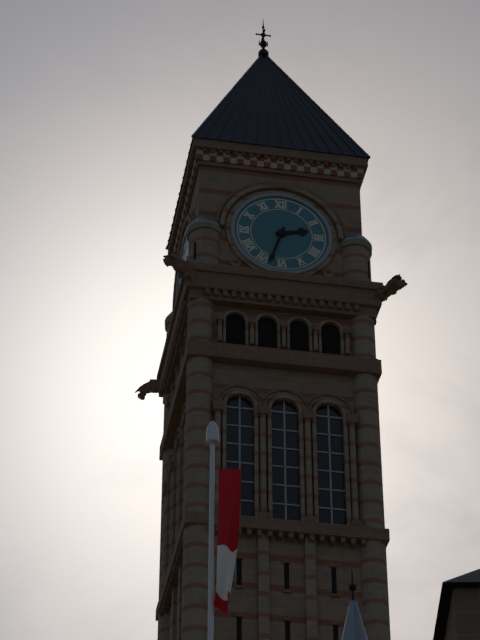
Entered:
2:33
